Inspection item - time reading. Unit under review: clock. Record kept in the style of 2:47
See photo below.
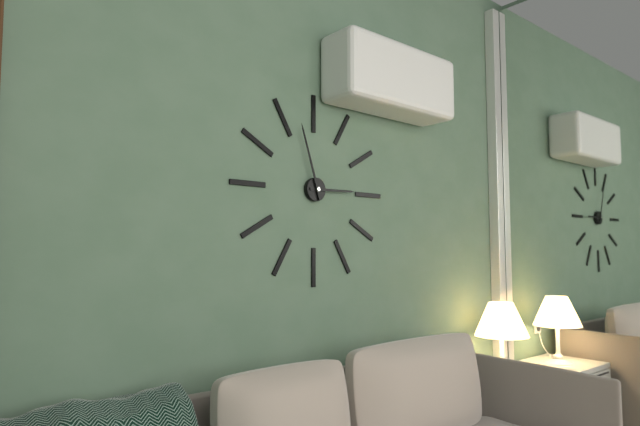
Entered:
2:57
